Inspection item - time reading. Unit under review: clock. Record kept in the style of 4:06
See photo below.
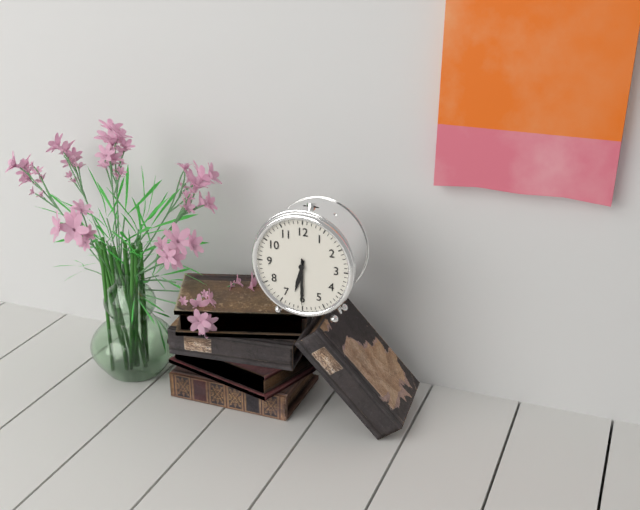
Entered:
6:30
